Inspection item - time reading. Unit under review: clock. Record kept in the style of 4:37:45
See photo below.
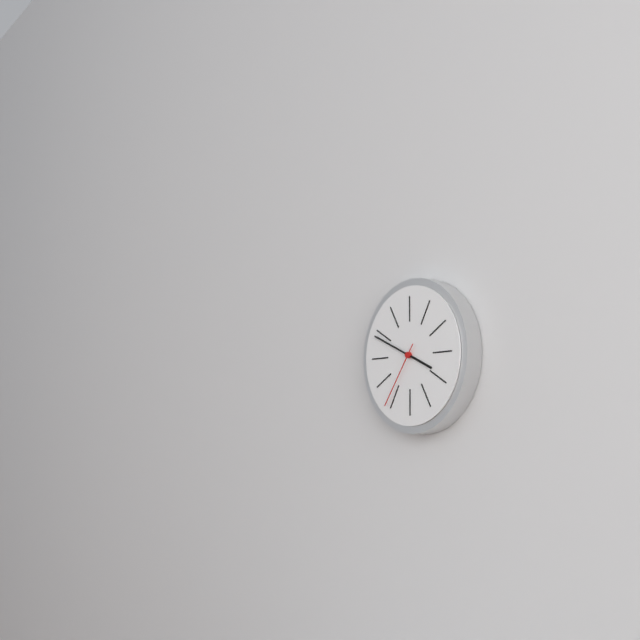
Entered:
3:49:36
